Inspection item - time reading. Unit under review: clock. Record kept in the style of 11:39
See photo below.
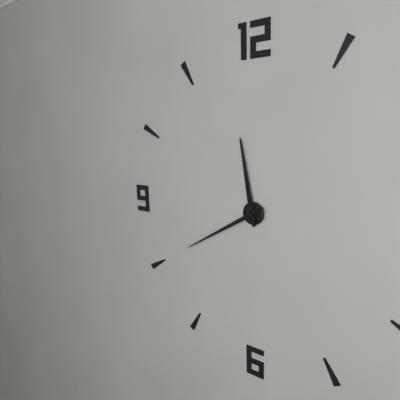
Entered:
11:40
